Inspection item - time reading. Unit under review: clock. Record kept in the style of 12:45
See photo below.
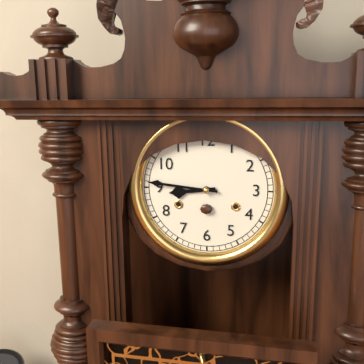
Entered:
8:46
